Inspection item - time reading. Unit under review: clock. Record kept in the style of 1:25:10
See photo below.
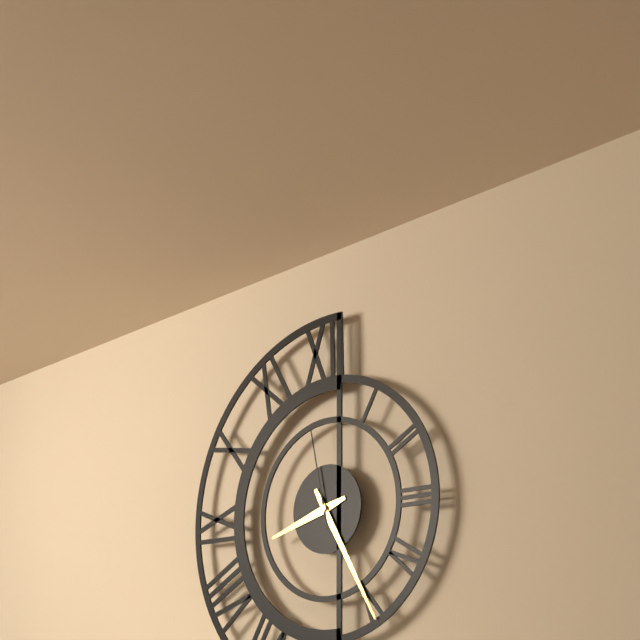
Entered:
8:25:58
